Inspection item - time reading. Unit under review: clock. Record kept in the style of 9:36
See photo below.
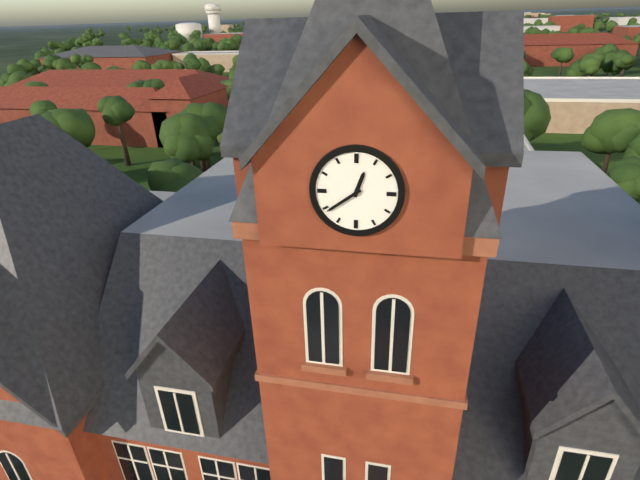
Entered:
12:39
